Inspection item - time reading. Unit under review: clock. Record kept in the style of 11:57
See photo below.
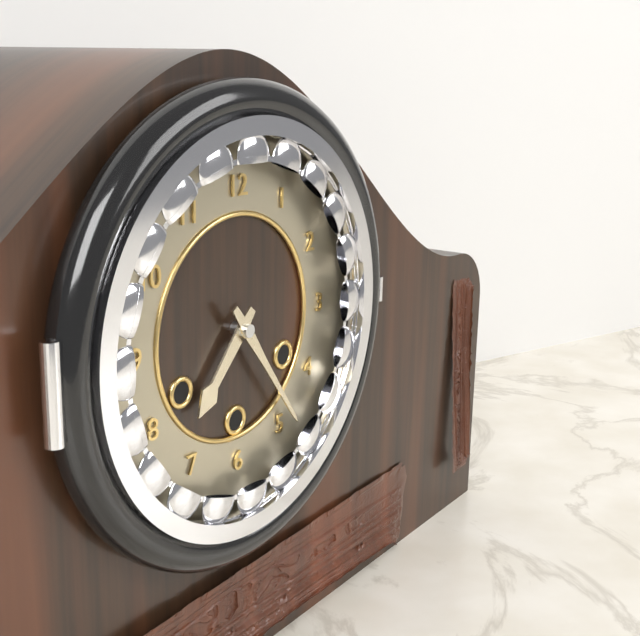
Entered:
7:24
